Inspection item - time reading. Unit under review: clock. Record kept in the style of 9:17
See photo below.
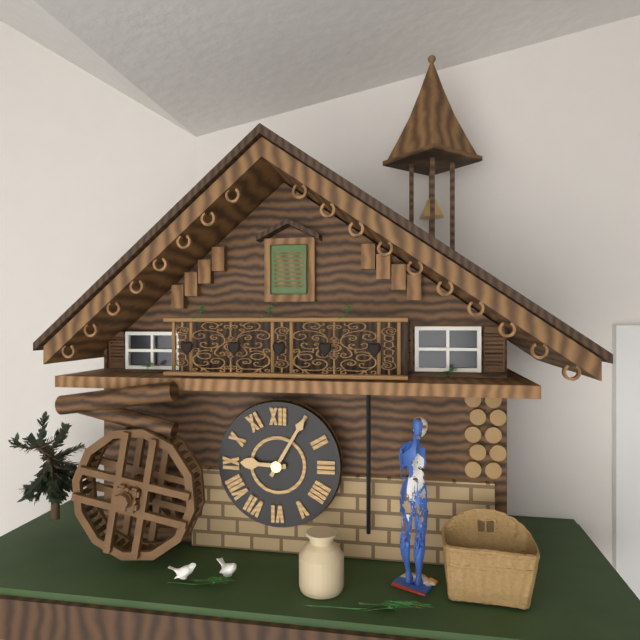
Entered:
9:05
